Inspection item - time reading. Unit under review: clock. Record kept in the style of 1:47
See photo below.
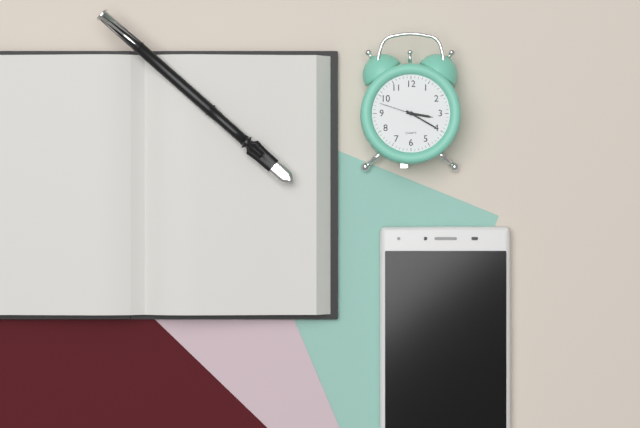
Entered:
3:20
